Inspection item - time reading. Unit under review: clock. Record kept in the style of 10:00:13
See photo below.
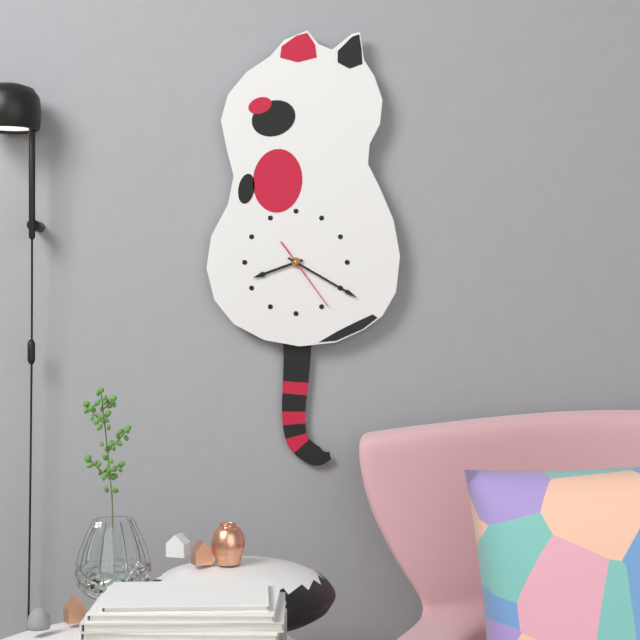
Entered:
8:20:24
